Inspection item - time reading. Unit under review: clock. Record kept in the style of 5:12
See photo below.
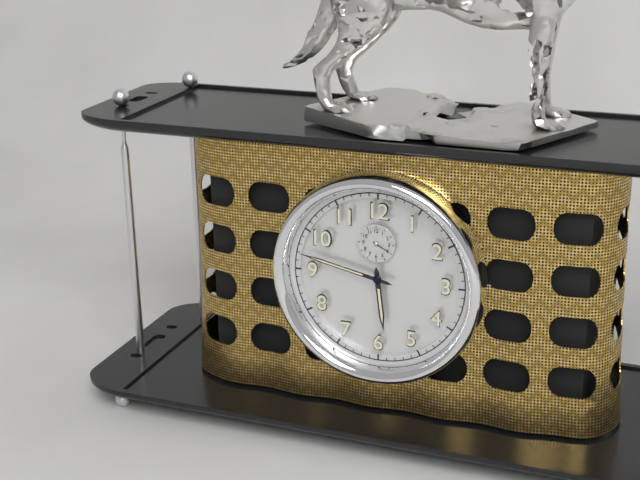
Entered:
5:47
